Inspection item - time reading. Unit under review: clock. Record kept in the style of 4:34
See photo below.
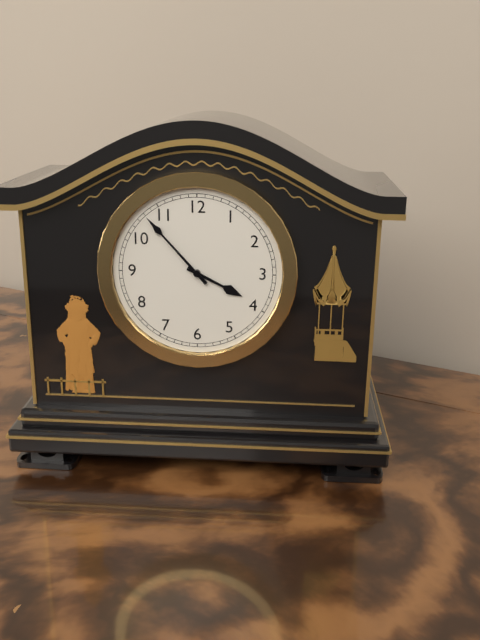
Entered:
3:53
